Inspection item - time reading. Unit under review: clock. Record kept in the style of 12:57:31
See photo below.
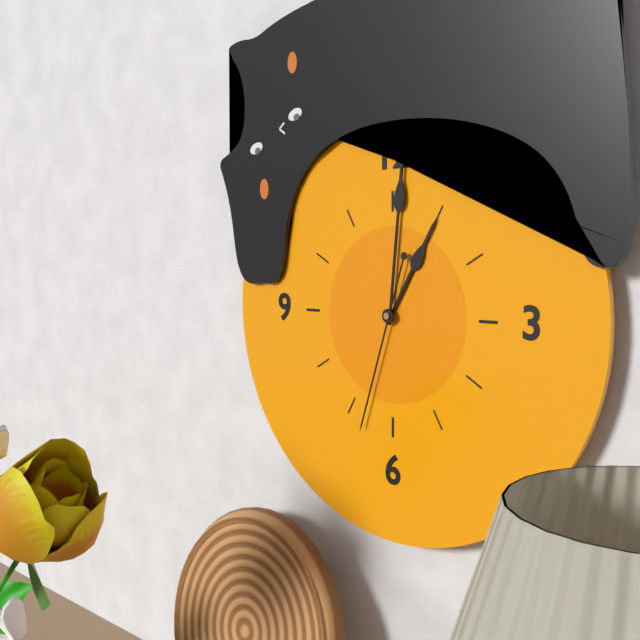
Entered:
1:01:33
